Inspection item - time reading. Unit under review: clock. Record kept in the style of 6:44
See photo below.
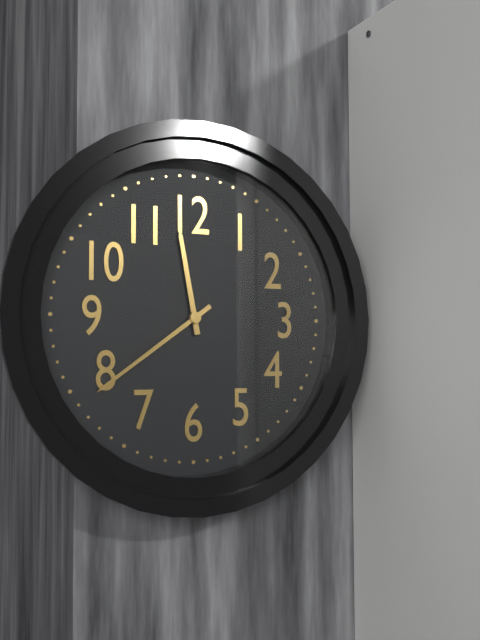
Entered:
11:39
